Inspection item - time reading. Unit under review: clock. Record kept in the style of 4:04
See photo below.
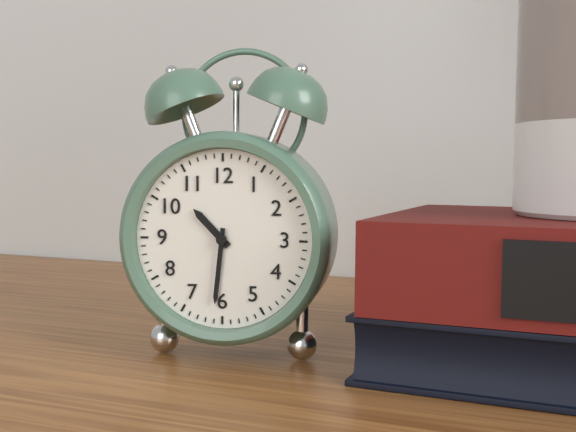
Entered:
10:31
